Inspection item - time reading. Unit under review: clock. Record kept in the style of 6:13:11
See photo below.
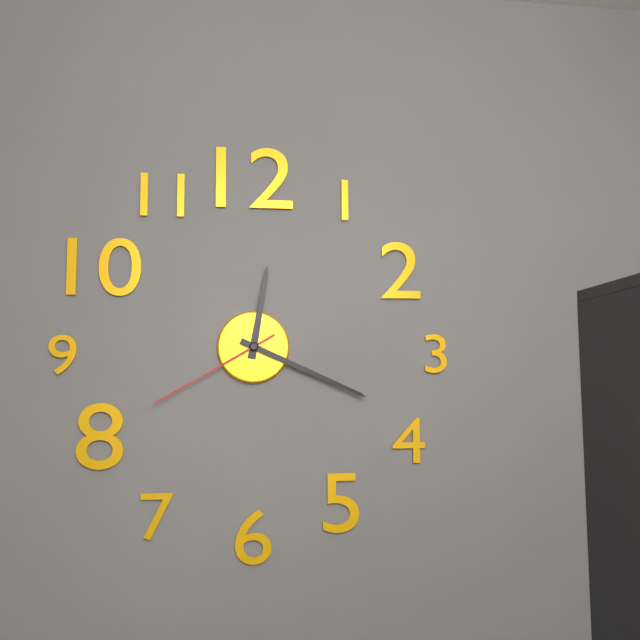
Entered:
12:19:40
